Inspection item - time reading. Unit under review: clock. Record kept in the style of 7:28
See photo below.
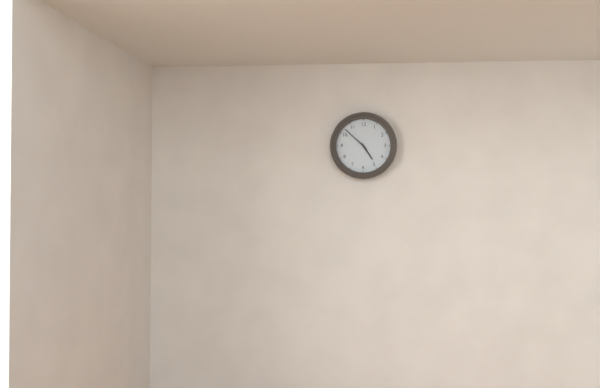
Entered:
4:52
